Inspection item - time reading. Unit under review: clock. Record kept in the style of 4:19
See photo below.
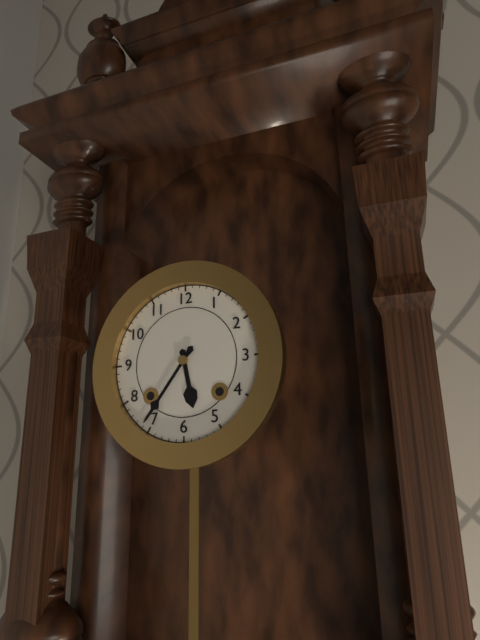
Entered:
5:36
